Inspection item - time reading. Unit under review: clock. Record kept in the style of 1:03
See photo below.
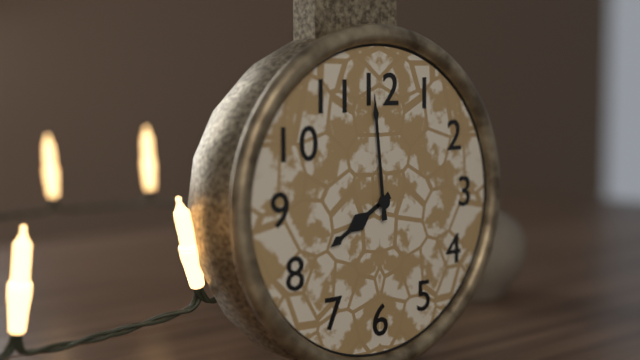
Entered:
7:59
